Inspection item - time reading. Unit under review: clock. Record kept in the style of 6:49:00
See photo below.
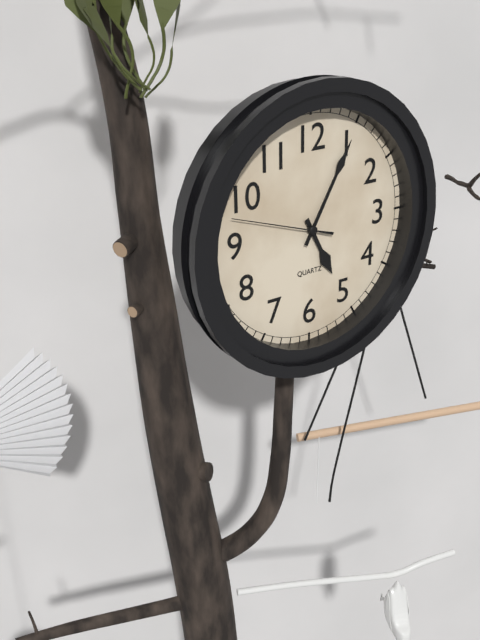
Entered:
5:05:48
